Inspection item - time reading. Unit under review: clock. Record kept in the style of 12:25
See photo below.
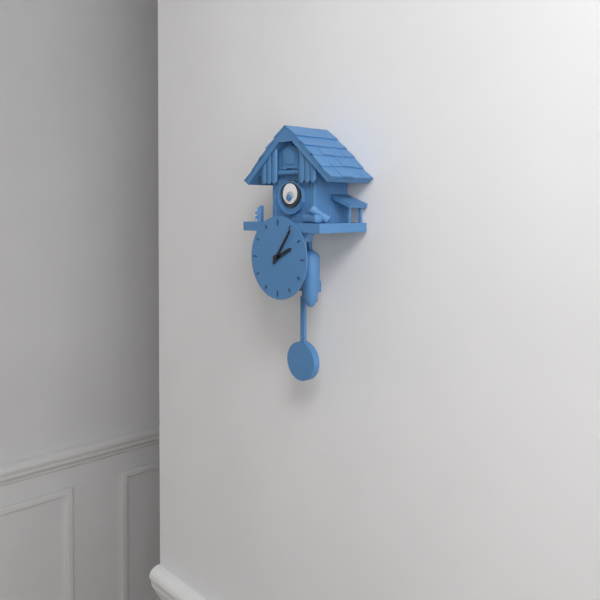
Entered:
2:06
